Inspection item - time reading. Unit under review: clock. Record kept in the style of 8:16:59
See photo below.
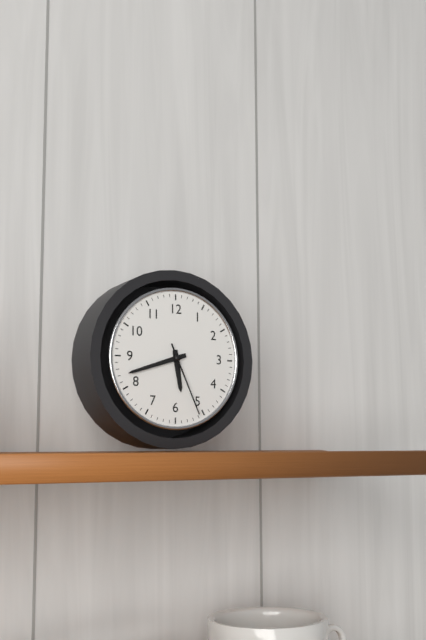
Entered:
5:42:26
